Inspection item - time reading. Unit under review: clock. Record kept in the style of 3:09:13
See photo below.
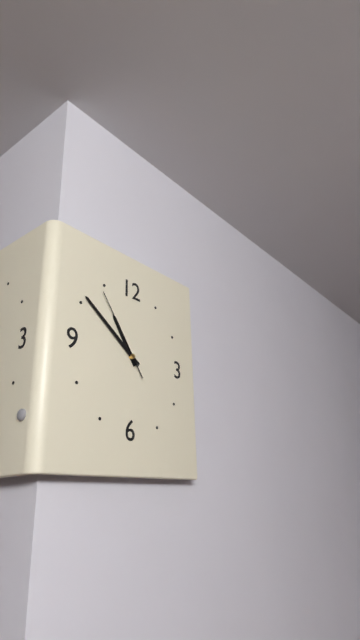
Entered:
10:51:54
